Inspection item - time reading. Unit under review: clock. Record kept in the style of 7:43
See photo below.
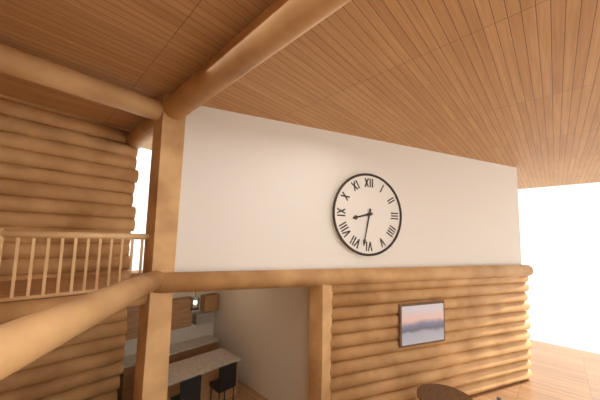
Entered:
8:32
